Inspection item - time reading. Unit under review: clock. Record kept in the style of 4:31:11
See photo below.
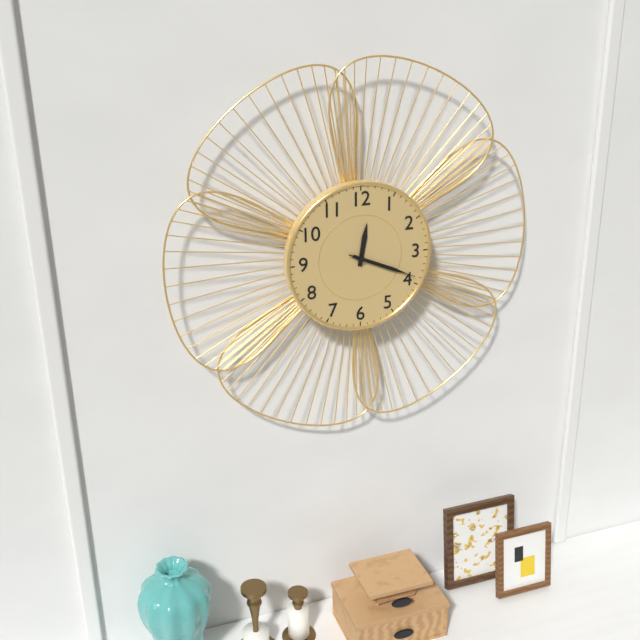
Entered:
12:19:19
